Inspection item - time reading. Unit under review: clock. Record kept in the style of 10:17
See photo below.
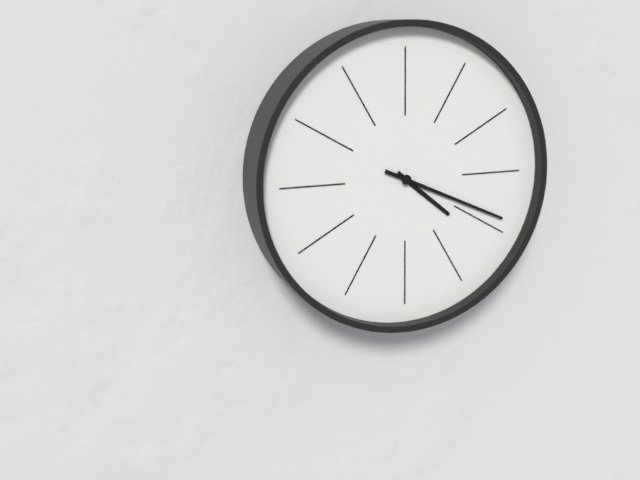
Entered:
4:19
